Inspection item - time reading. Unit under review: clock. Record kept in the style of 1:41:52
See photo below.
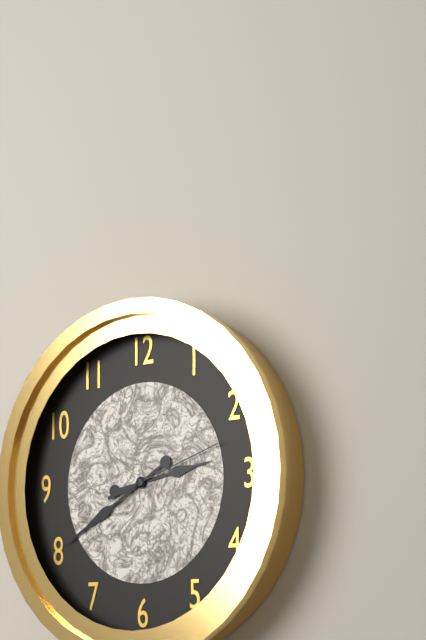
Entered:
2:40:12
